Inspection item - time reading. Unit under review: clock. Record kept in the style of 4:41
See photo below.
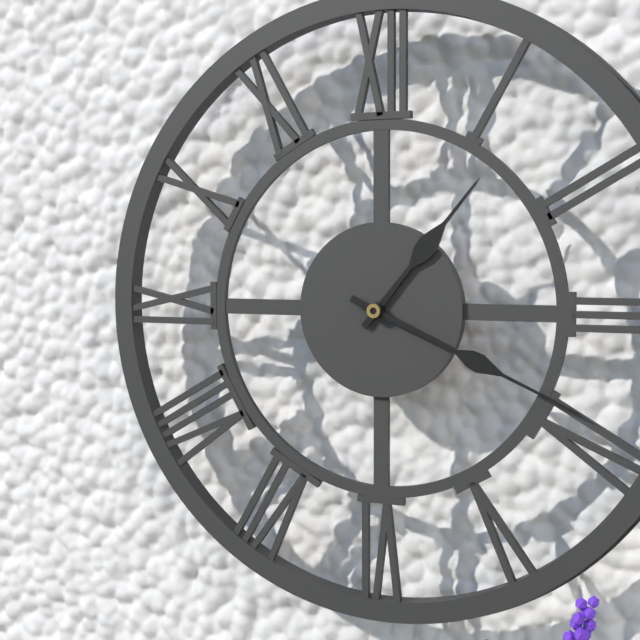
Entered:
1:19
